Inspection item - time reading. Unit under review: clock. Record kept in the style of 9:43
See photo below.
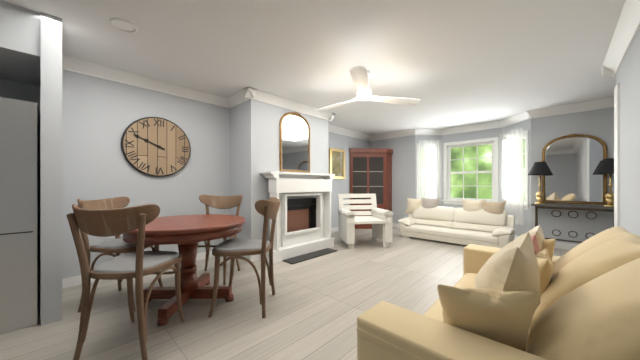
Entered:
9:49
